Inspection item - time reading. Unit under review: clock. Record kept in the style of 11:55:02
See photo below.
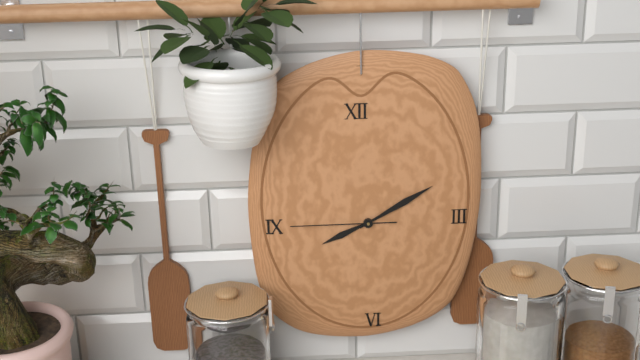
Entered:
8:10:45
